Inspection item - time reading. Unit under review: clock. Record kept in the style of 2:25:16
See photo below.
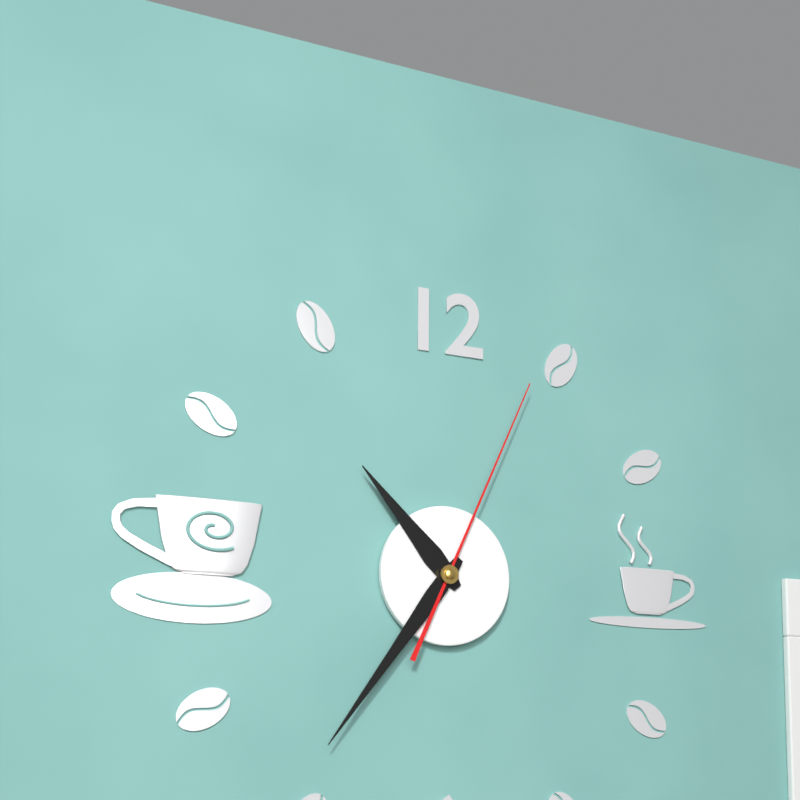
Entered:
10:36:04
